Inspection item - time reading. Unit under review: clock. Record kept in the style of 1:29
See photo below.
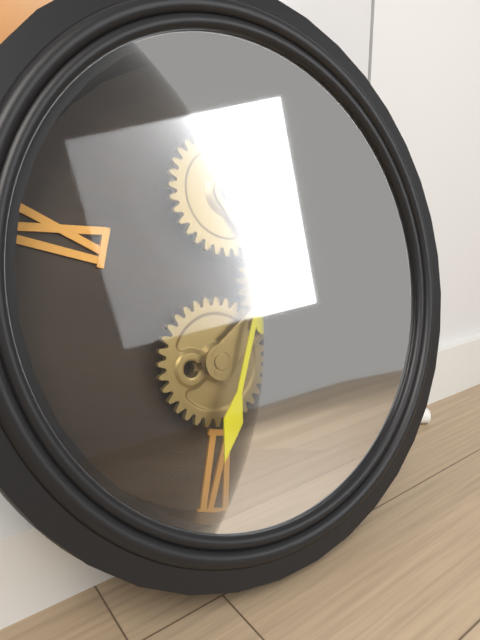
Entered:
11:31
